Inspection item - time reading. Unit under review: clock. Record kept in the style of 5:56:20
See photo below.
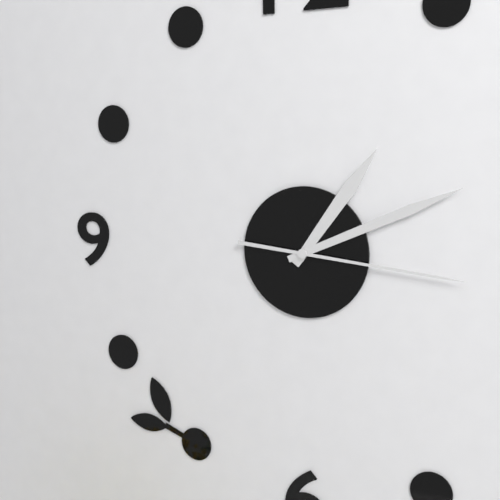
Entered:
1:11:16
